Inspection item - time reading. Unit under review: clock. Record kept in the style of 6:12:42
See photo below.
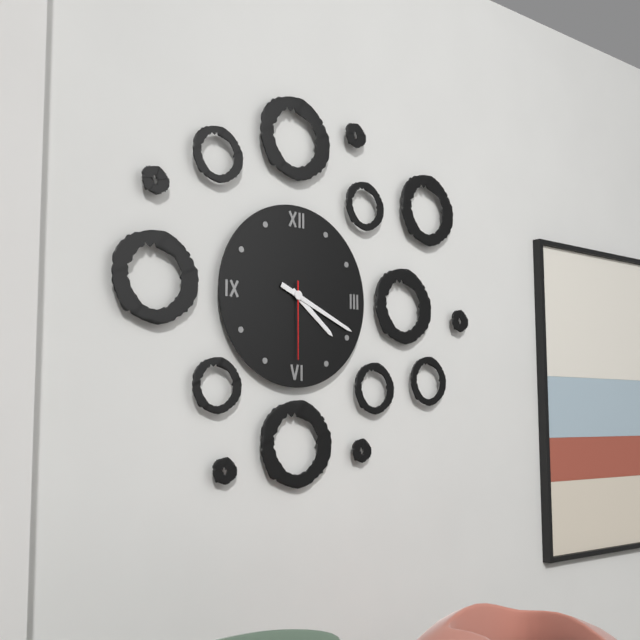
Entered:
4:19:30
